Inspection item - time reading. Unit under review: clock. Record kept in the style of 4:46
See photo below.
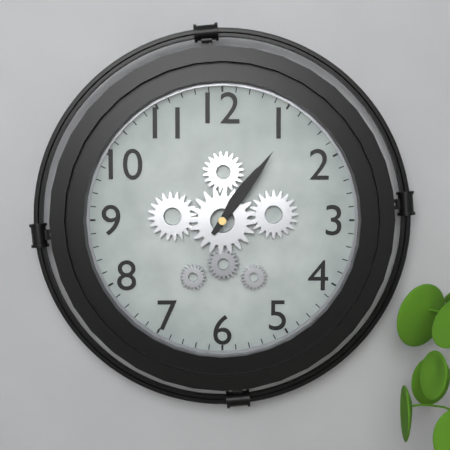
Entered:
1:06
